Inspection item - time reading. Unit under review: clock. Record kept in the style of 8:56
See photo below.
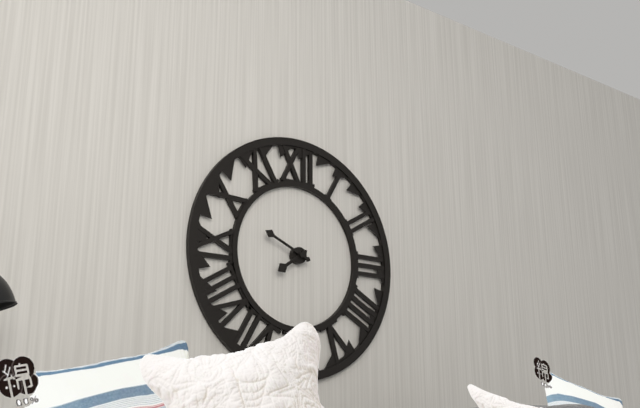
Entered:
7:49
